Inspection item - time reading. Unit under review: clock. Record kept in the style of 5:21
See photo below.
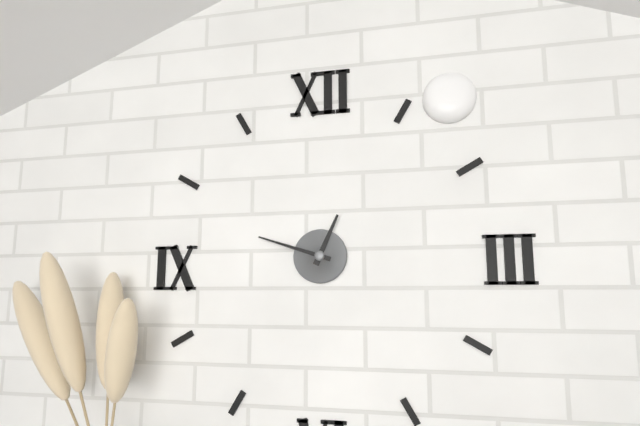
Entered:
12:48
